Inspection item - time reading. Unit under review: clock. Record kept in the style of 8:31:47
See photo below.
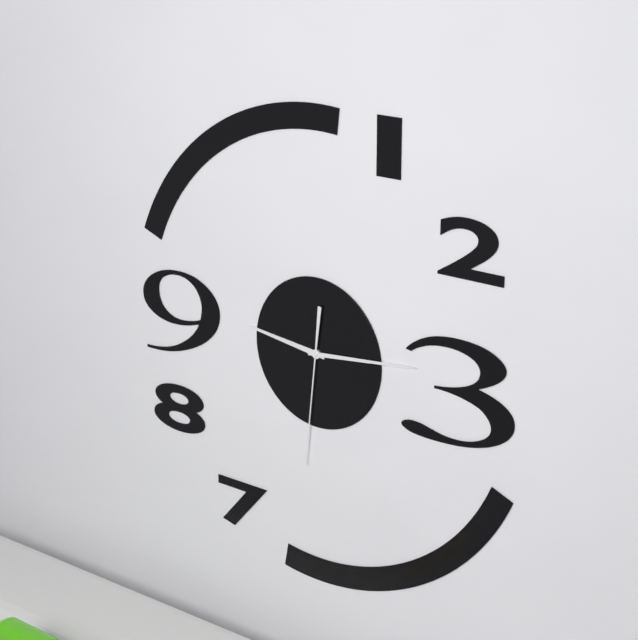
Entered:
9:14:31
